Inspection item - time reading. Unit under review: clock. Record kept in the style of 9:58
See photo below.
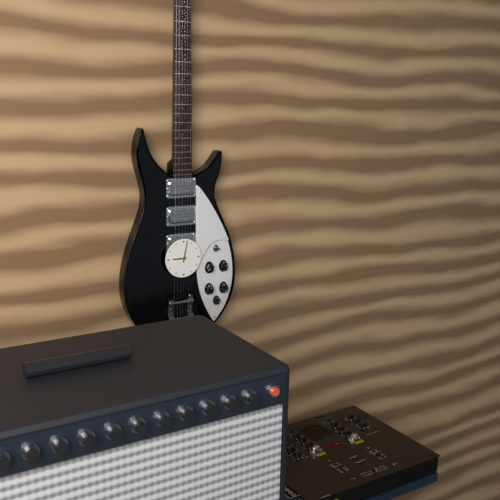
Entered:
9:02
